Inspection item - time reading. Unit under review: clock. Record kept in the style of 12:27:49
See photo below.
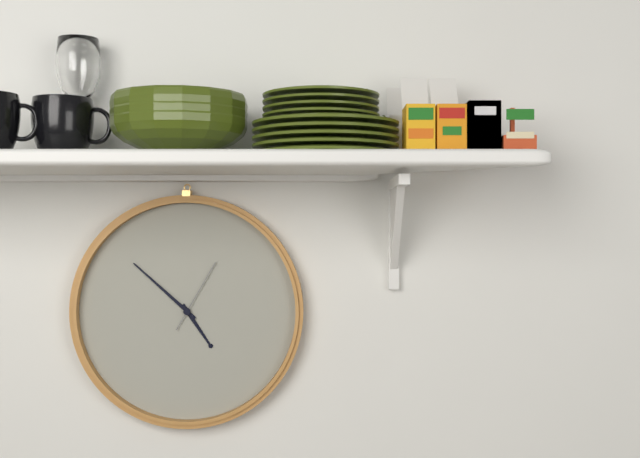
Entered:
4:52:05
